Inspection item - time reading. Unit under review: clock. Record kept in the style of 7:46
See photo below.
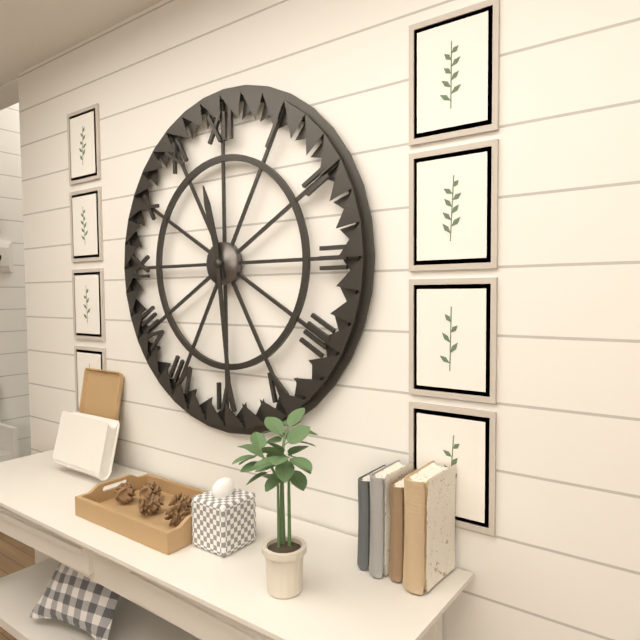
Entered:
11:29
